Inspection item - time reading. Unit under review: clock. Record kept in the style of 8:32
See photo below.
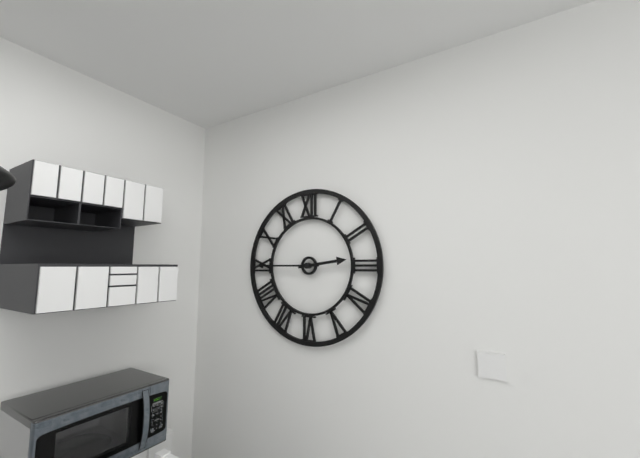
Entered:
2:45
